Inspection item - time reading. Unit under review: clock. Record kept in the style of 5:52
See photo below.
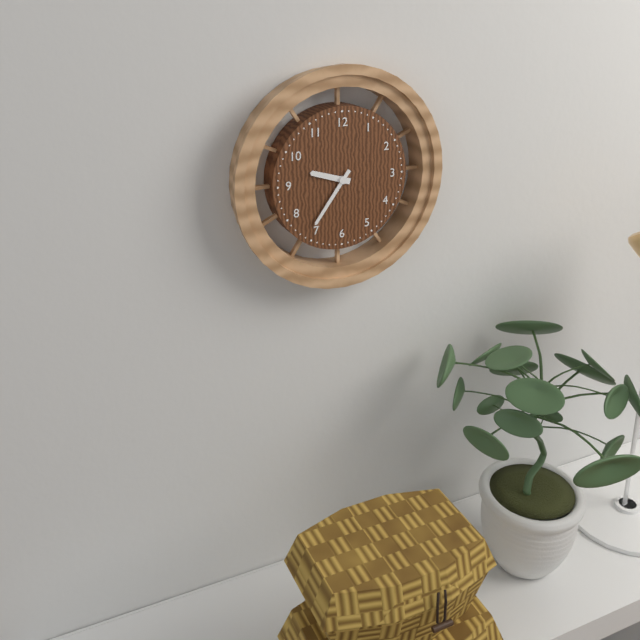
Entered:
9:36
